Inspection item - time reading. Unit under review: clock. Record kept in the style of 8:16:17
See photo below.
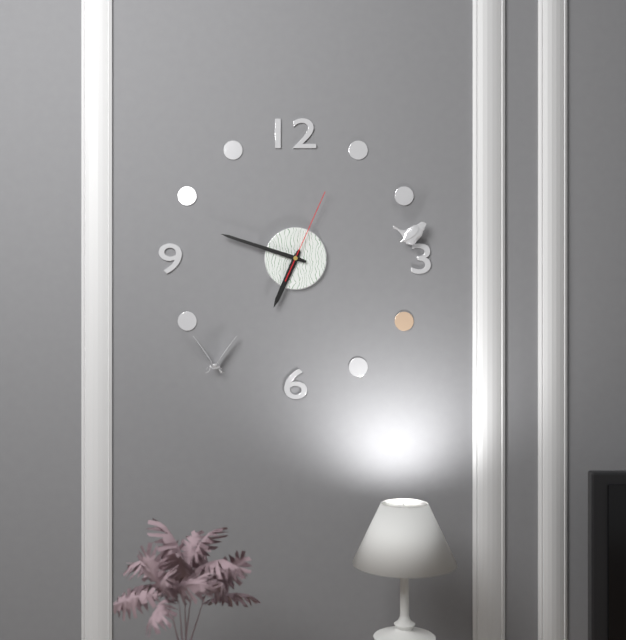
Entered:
6:48:04
